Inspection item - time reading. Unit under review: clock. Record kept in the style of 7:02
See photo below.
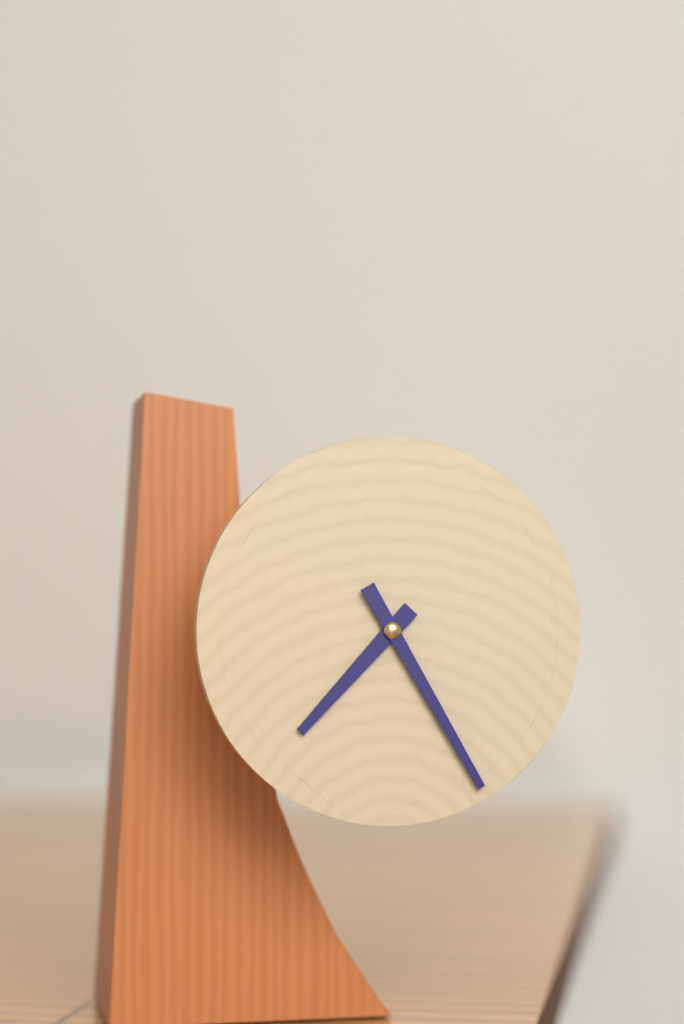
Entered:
7:25
